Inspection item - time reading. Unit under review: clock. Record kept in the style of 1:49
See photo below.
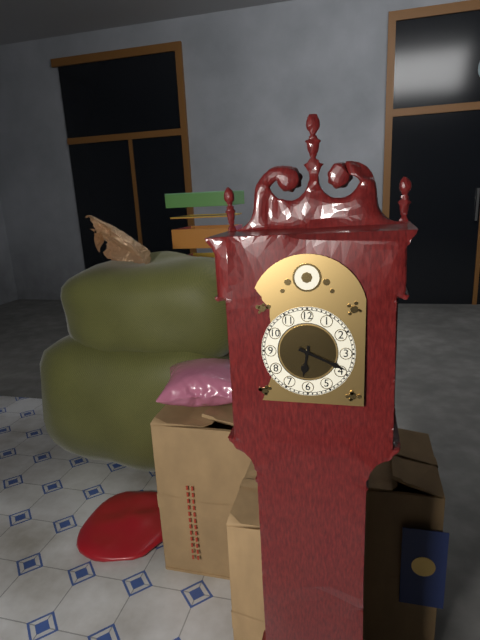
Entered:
6:19
